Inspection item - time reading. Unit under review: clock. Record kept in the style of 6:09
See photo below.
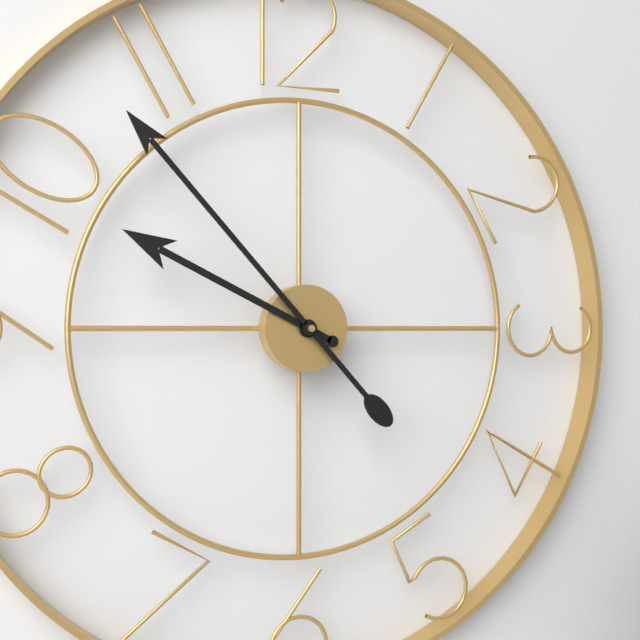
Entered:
9:53
